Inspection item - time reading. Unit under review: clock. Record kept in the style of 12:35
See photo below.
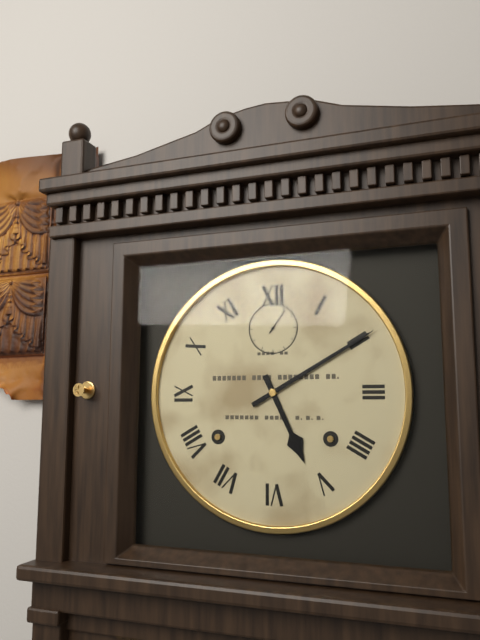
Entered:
5:10
